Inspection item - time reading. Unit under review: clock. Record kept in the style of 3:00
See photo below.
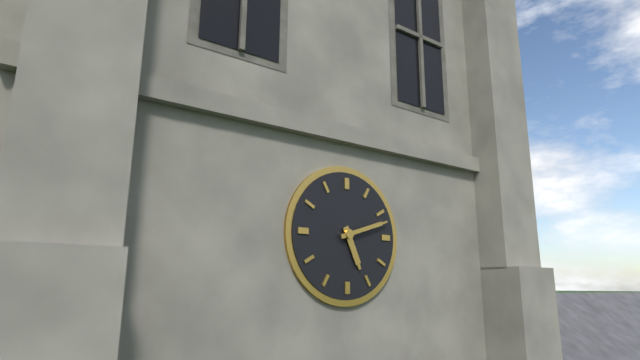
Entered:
5:12
